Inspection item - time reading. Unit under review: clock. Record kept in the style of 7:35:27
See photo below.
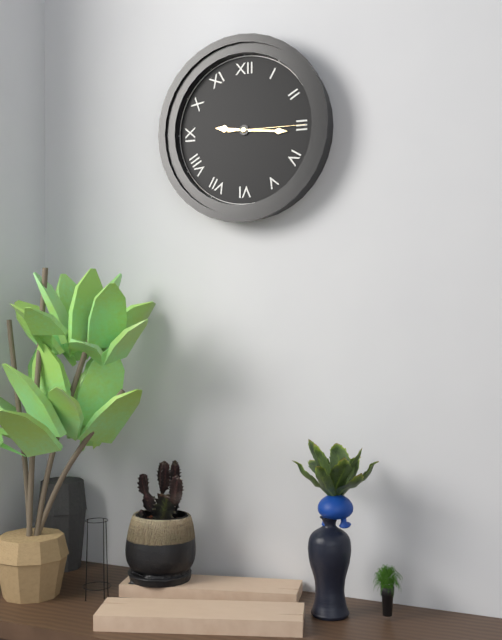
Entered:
9:16:15
